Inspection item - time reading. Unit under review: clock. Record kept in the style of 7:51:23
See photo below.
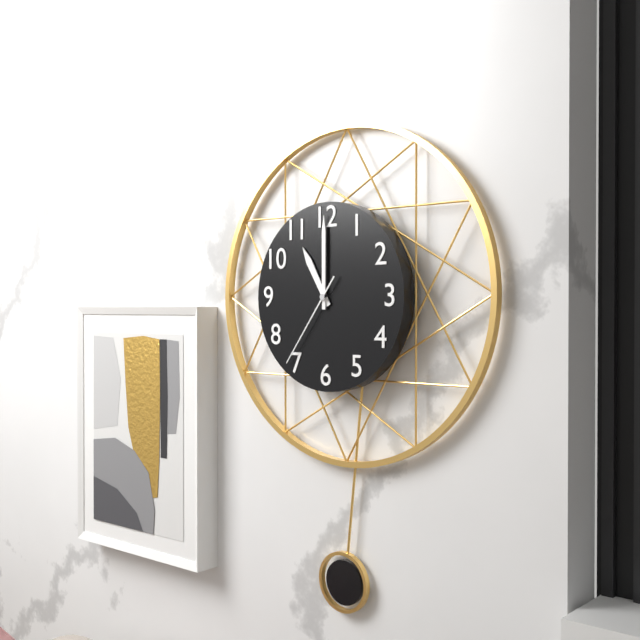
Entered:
11:00:36
